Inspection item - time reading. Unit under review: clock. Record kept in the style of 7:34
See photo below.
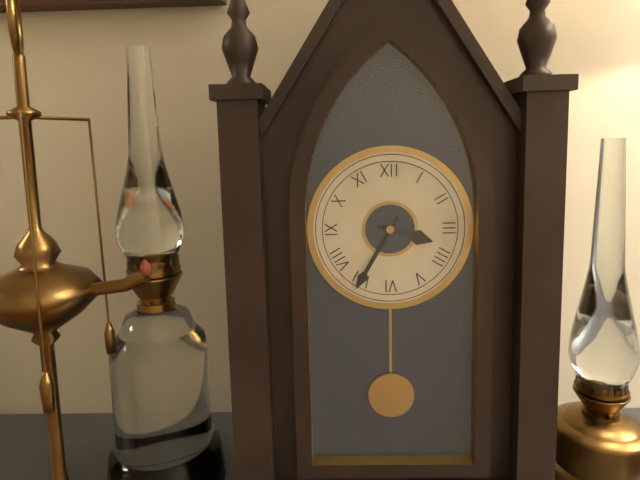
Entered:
3:35
